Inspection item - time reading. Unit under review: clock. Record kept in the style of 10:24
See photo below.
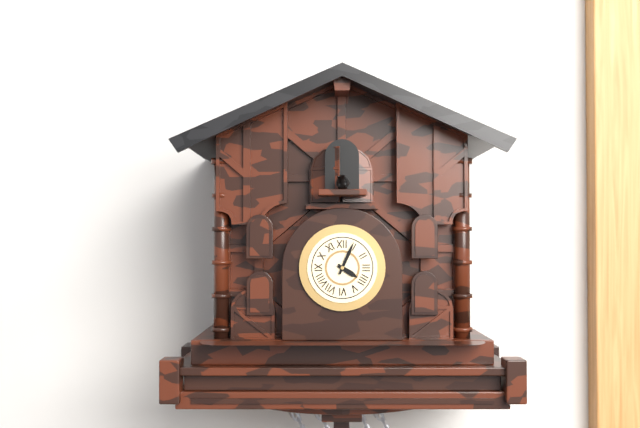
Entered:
4:04
